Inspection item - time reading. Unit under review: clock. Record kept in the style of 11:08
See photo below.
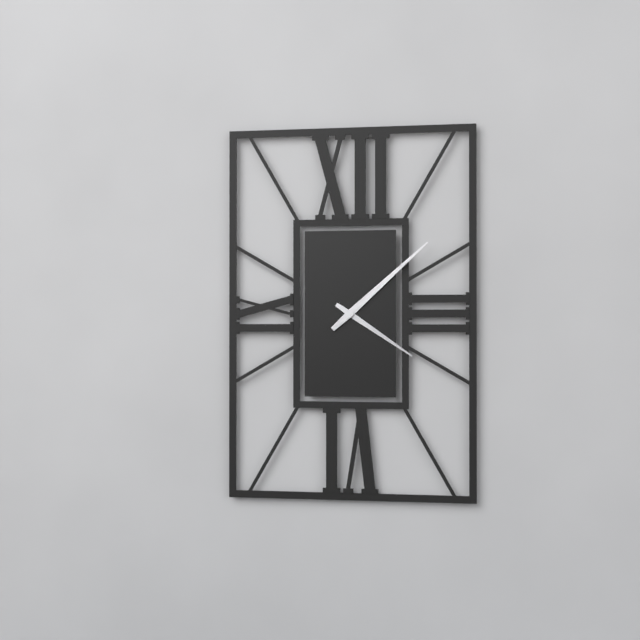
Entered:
4:08
